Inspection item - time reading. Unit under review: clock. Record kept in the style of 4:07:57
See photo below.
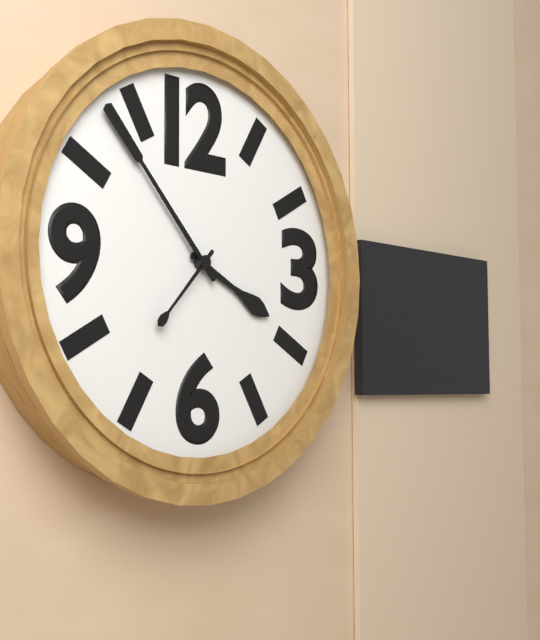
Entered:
3:53:37
